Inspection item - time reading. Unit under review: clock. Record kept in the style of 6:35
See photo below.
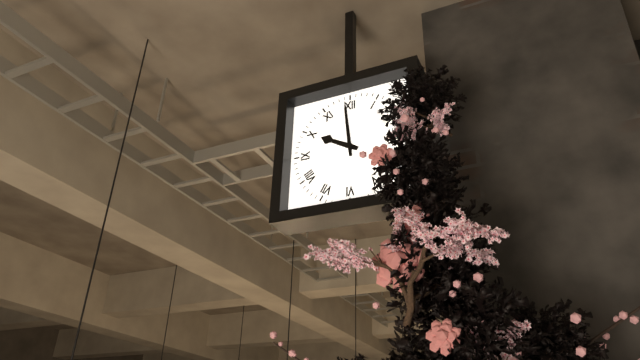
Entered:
9:59
